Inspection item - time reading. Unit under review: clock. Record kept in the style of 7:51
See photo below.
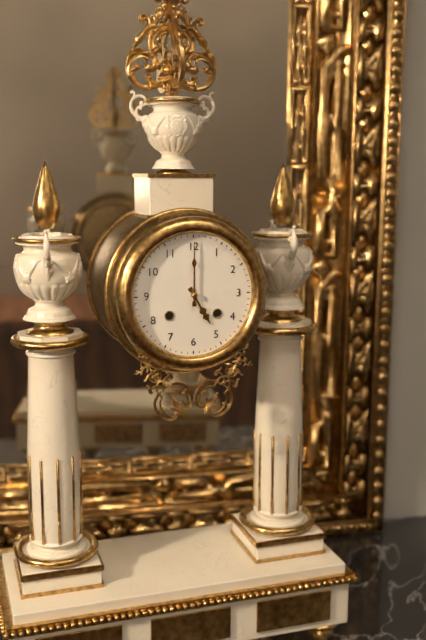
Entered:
5:00
